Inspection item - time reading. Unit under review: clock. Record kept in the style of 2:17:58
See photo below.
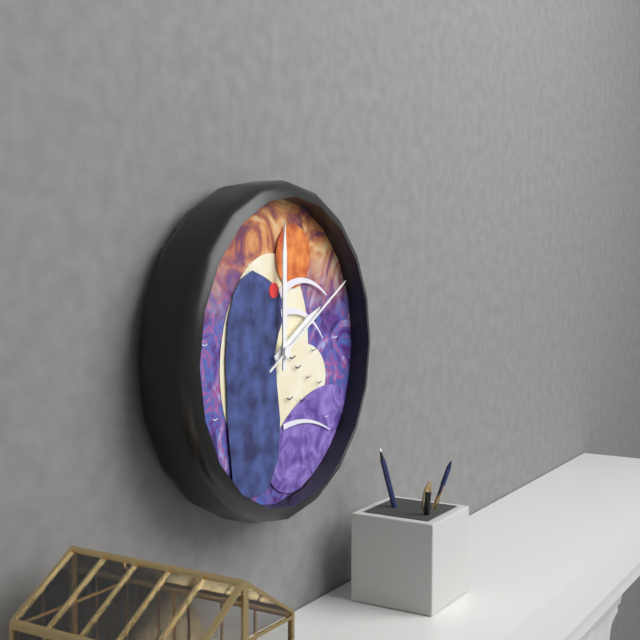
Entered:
2:00:10
